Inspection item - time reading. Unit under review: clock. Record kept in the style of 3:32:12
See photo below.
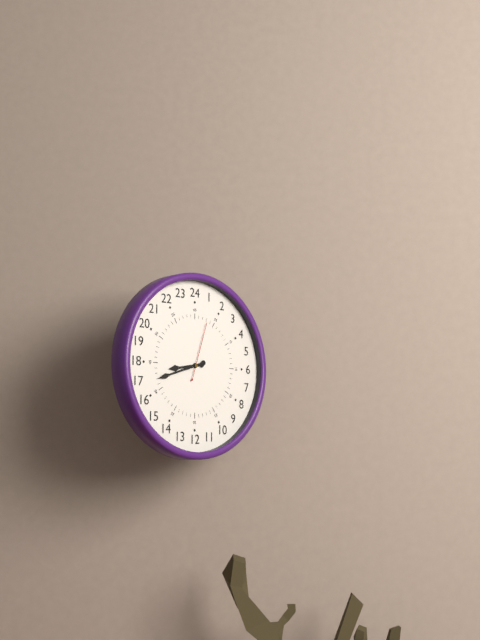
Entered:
8:42:03
